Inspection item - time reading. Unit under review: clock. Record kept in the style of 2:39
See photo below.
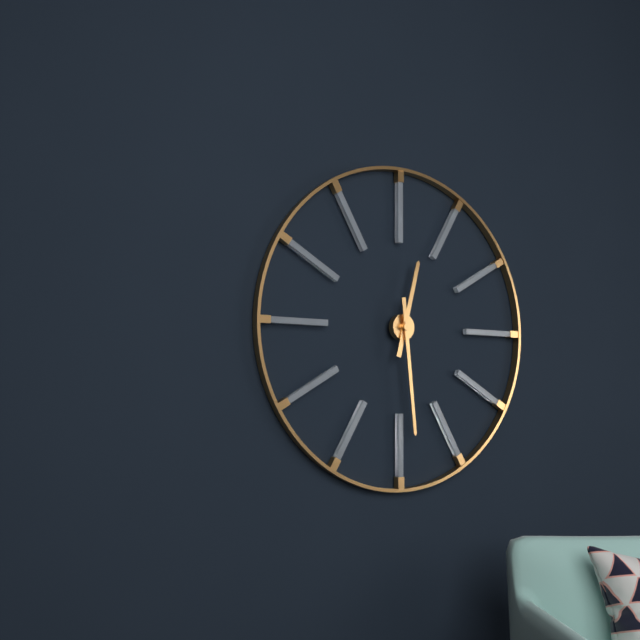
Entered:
12:29
